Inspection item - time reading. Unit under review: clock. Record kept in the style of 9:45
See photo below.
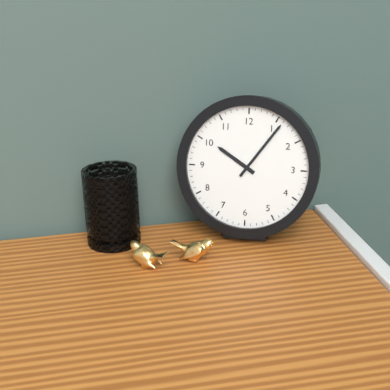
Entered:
10:06
